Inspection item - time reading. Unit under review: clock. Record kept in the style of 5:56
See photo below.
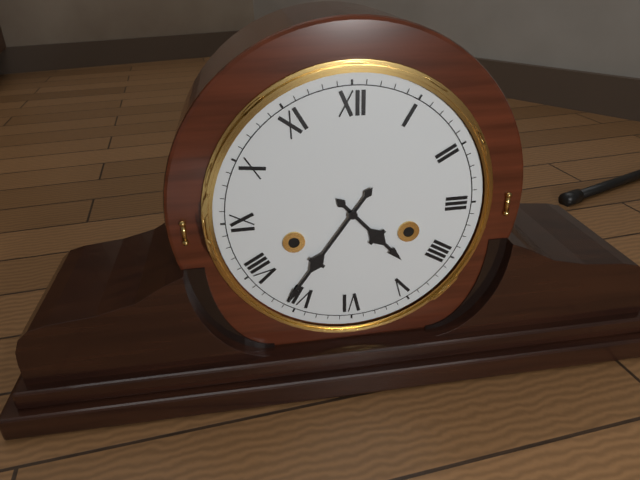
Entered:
4:36
